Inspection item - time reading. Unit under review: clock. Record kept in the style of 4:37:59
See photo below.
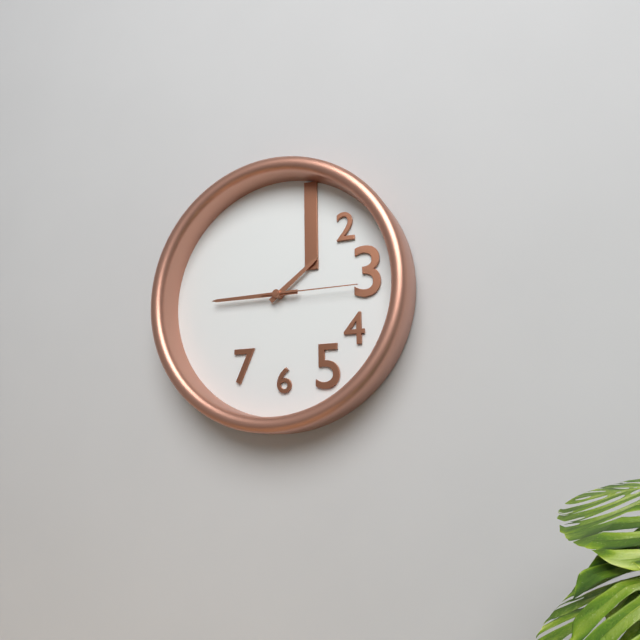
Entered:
1:45:15
